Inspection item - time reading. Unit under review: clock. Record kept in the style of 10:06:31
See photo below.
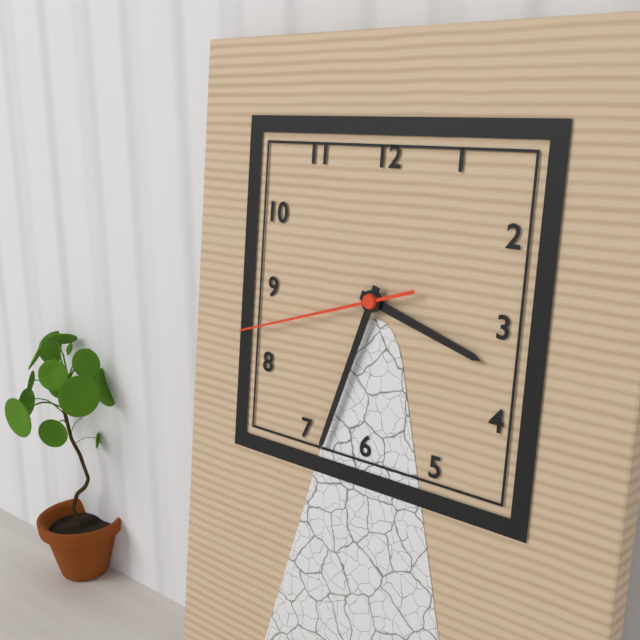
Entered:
3:33:42
